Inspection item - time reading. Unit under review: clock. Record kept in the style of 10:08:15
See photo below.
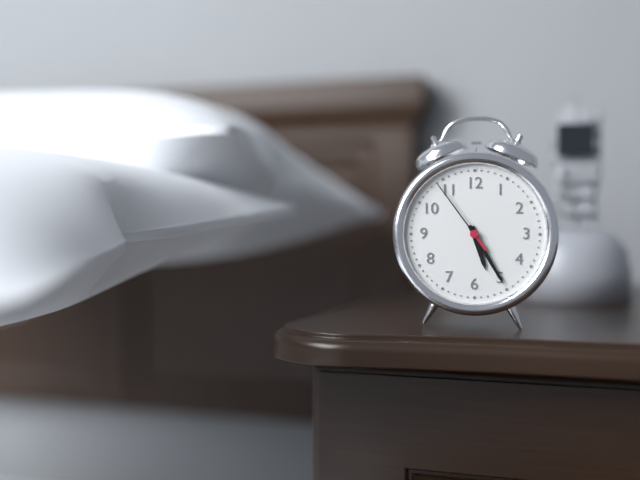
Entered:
5:25:54
